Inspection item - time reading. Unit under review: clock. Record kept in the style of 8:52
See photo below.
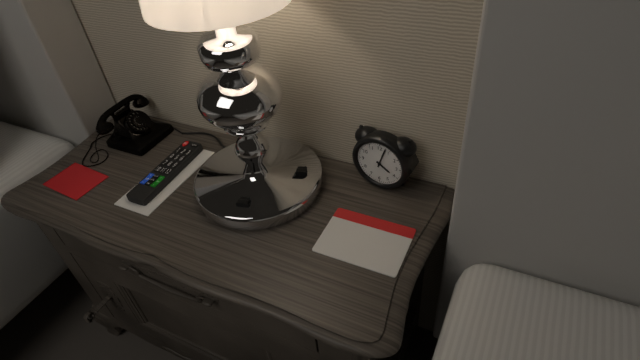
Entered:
4:03
